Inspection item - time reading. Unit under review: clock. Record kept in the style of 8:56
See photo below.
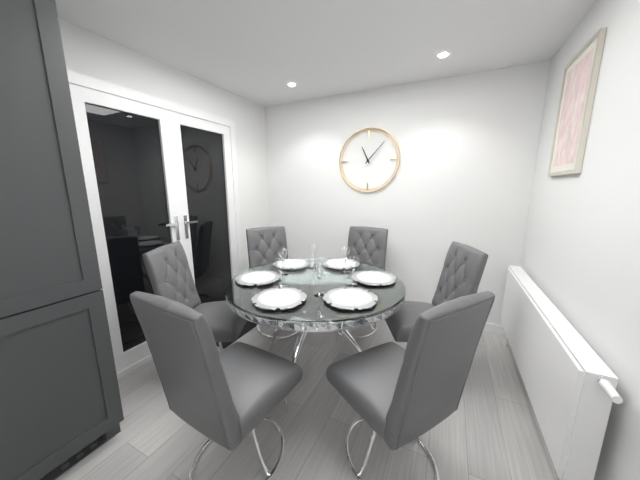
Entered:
11:07
